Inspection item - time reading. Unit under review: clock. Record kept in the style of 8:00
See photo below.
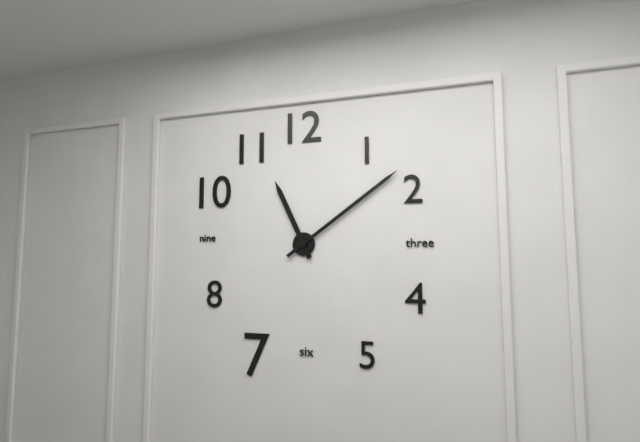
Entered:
11:09
